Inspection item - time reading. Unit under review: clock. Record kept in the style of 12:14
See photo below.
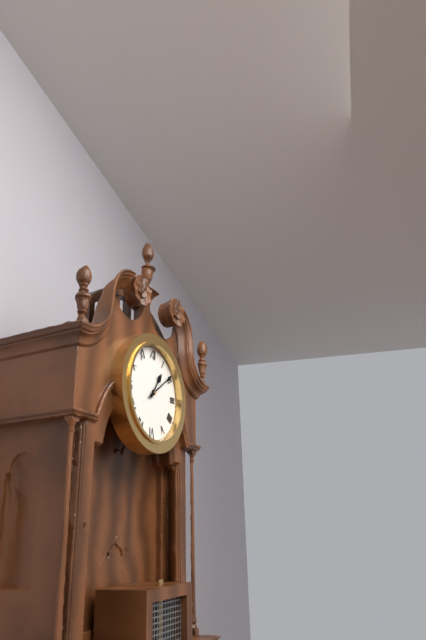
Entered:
1:09
